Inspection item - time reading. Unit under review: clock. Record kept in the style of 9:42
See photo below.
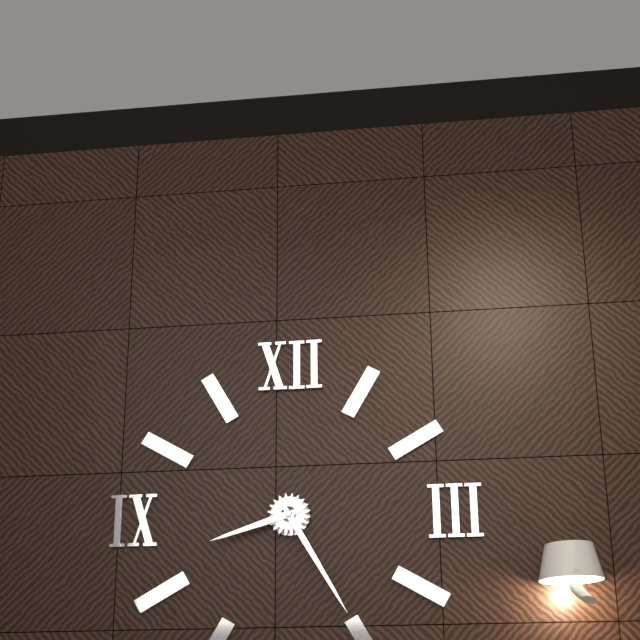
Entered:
8:25
